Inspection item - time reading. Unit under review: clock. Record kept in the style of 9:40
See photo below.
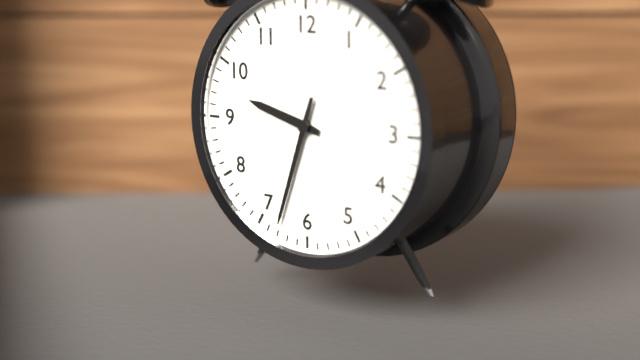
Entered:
9:33
